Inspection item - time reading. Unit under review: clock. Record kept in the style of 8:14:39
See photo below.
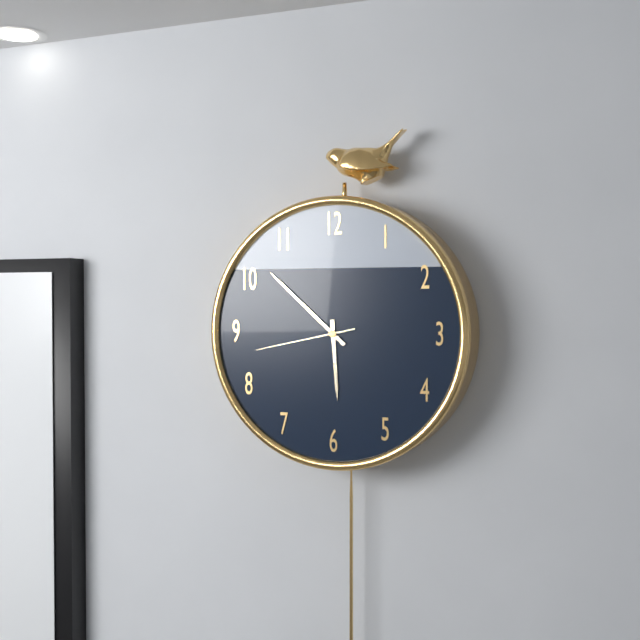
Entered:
5:52:43
